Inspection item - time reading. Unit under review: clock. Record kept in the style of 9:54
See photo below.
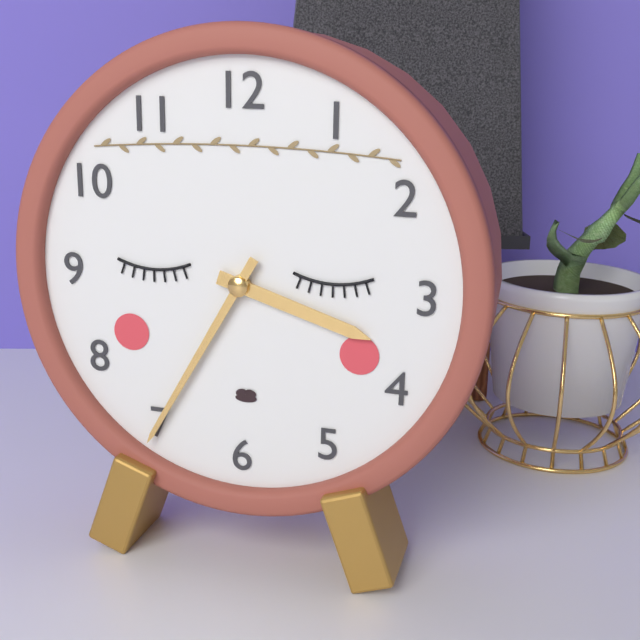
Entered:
3:35
